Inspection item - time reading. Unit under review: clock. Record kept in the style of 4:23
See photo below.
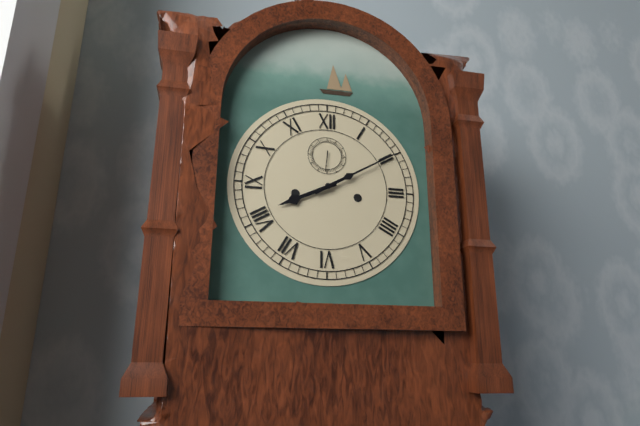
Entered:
8:10
